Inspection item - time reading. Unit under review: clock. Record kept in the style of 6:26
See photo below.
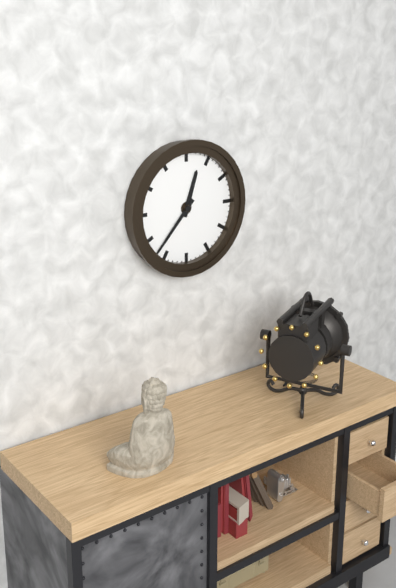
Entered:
12:37
